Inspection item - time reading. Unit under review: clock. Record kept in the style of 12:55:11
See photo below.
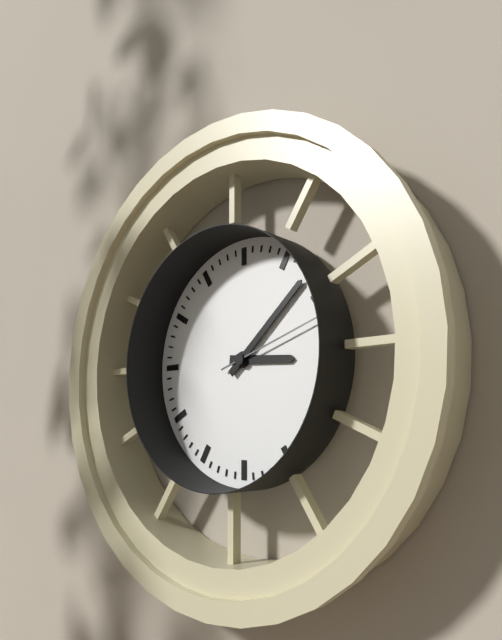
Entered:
3:08:12
